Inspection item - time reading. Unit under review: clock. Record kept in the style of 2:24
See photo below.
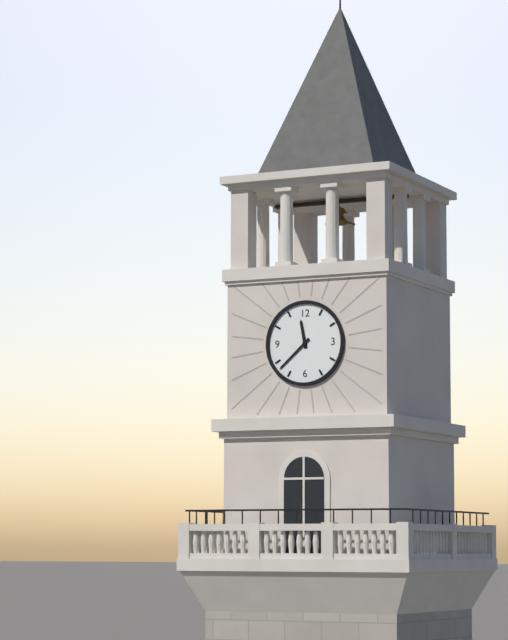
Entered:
11:38
